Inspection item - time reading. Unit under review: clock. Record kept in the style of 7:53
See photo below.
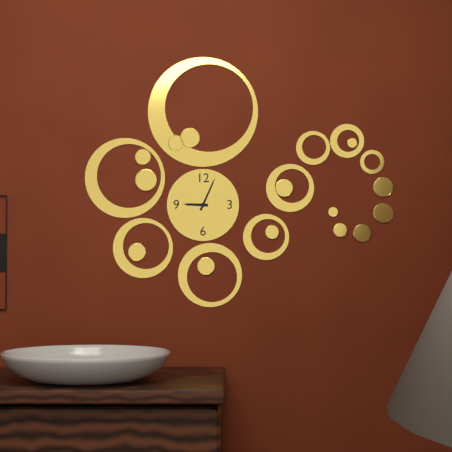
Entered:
9:04
